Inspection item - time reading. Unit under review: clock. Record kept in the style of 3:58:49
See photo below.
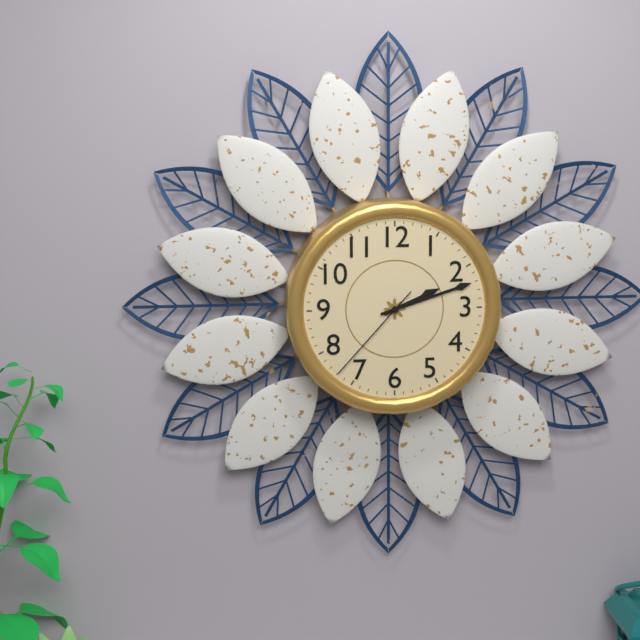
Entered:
2:12:37
